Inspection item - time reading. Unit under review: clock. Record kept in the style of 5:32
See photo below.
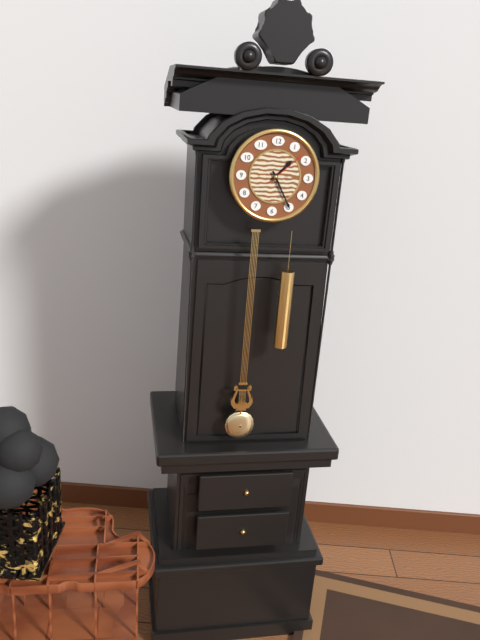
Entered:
1:25
